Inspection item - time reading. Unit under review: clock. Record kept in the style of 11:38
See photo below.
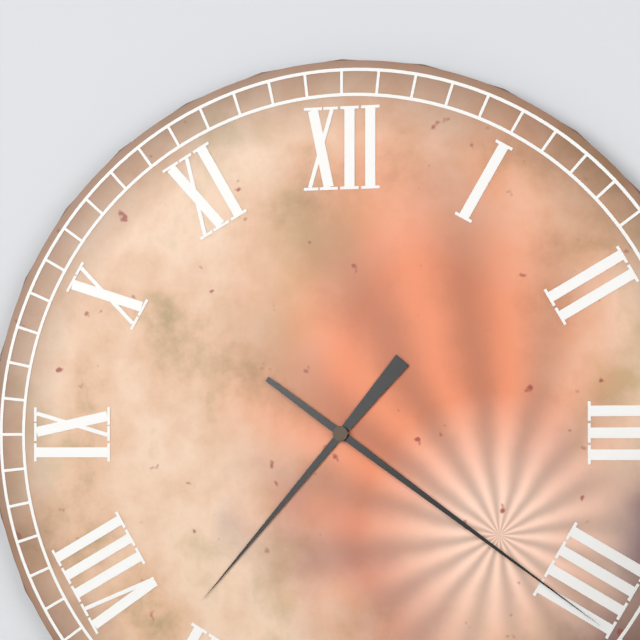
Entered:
7:21
